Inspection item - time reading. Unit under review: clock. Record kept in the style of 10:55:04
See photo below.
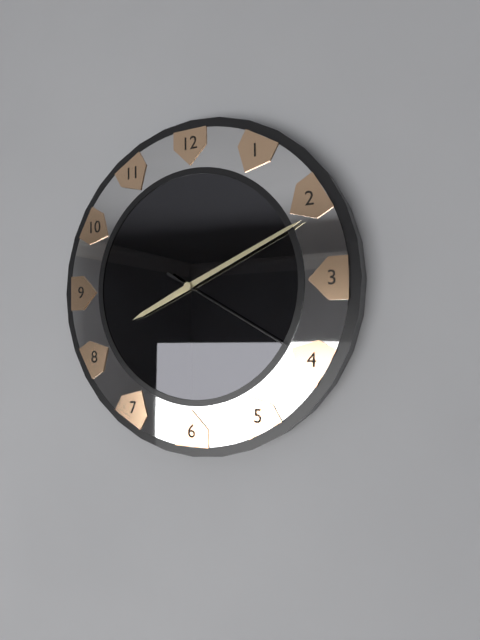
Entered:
8:11:20
